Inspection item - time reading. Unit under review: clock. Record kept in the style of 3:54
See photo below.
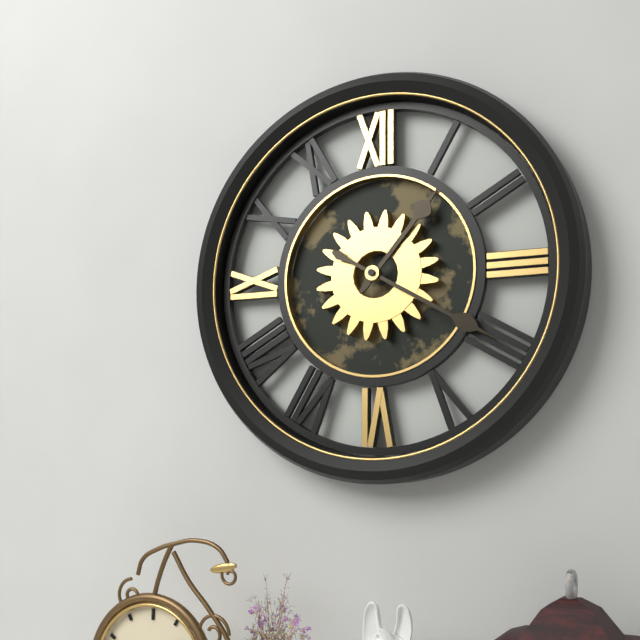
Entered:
1:20
